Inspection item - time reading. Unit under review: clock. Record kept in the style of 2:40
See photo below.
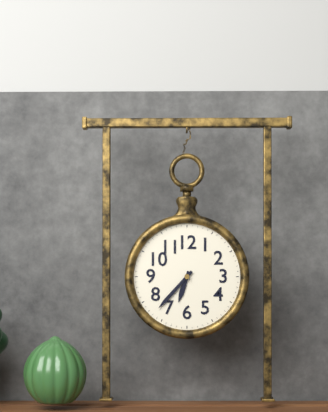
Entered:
6:37
